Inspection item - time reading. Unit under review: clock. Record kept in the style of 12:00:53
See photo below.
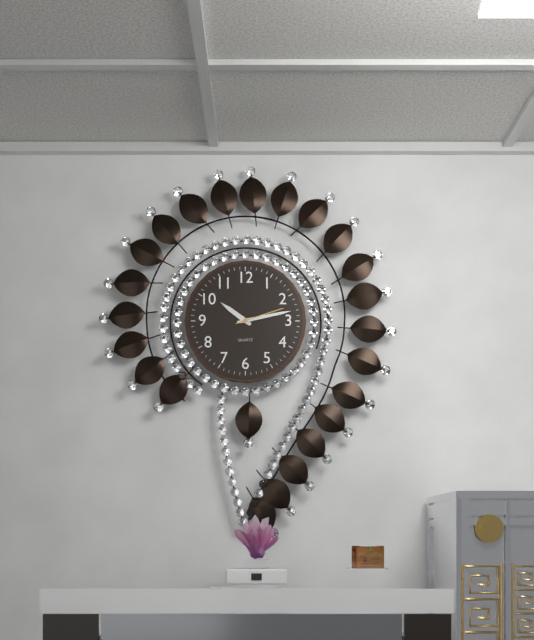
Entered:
10:13:12
